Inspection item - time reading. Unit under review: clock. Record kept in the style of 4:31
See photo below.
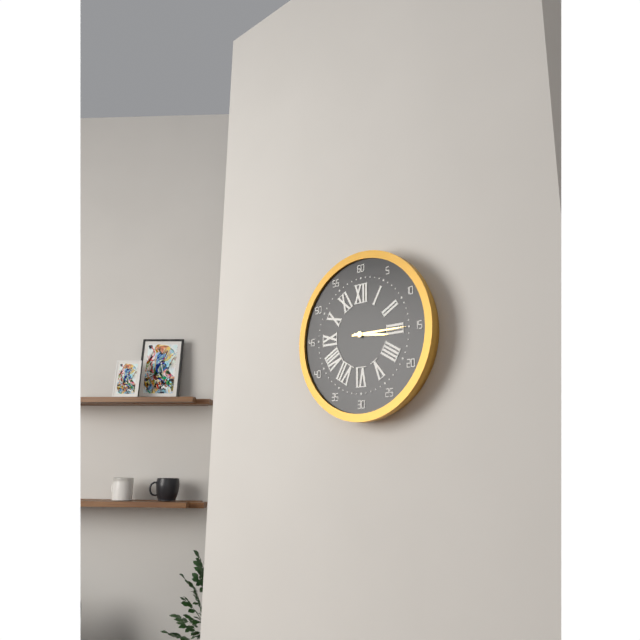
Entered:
3:15
